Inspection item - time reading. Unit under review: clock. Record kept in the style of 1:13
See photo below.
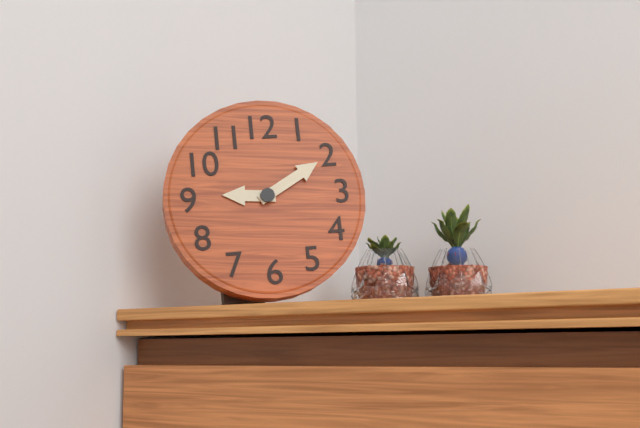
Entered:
9:10
